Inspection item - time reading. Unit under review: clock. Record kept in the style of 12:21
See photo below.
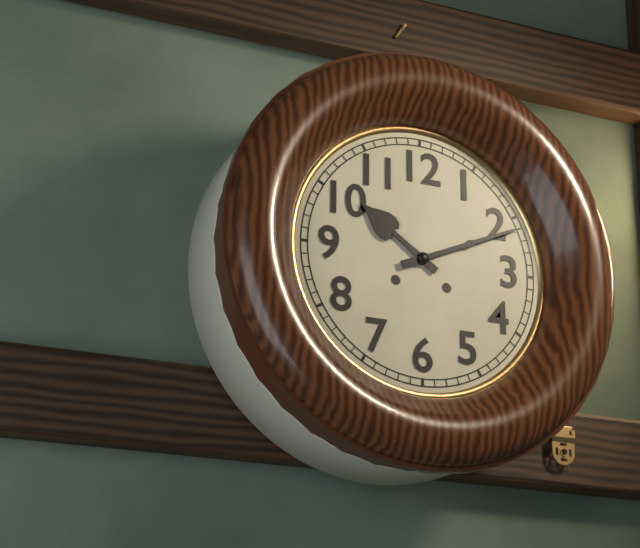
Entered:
10:11
